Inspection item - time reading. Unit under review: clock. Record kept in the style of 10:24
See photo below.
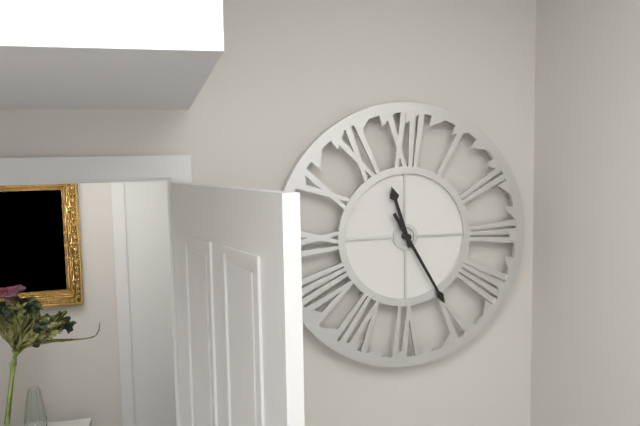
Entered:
11:25
